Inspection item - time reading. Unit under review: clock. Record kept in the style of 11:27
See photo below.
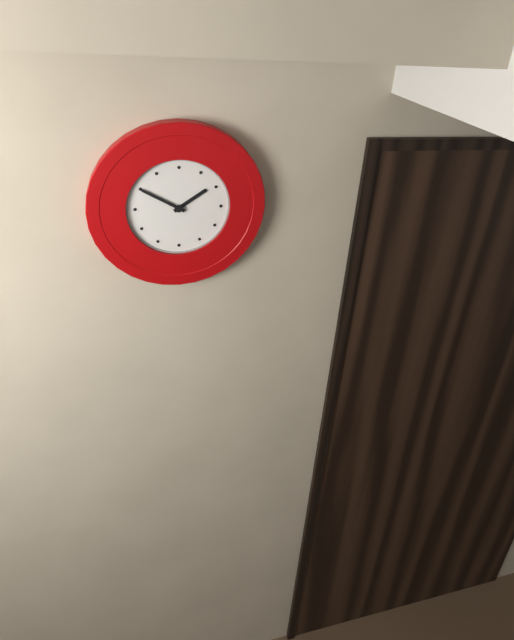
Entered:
1:50
